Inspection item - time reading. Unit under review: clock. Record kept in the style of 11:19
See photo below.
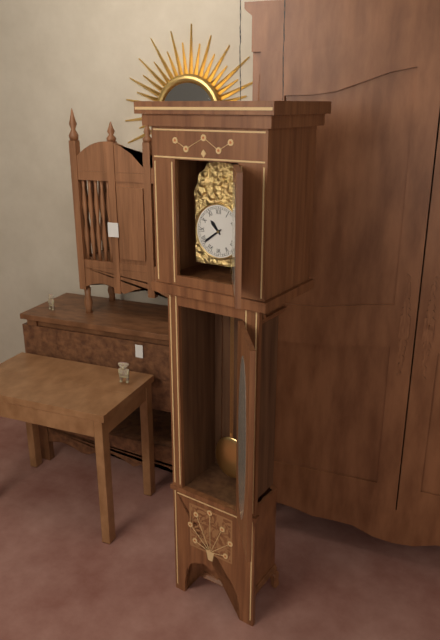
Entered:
10:39
